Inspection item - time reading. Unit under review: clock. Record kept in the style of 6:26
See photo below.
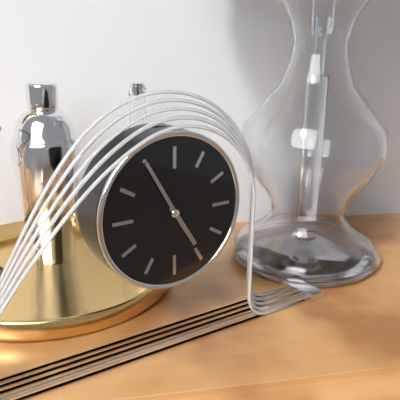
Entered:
4:55
